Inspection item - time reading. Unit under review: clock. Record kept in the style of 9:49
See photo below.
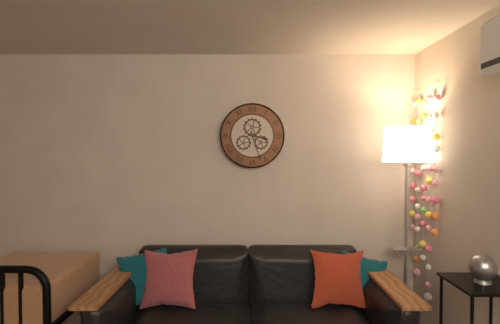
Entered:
3:27
